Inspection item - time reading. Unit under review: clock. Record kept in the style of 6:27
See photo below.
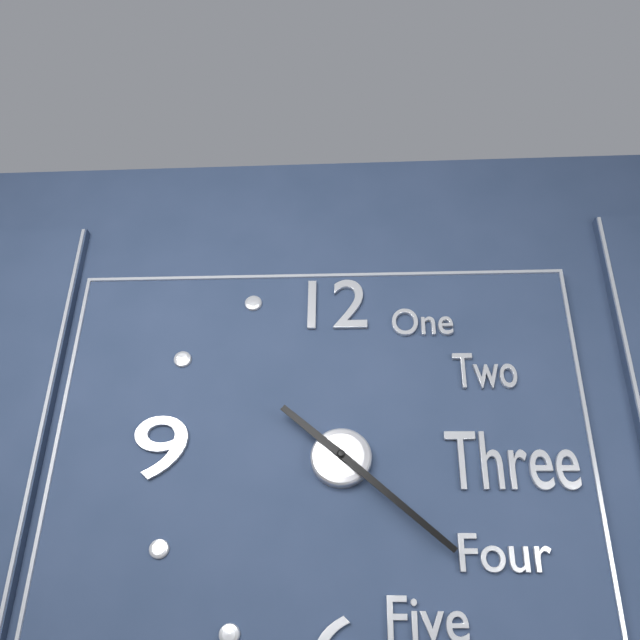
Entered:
10:22
